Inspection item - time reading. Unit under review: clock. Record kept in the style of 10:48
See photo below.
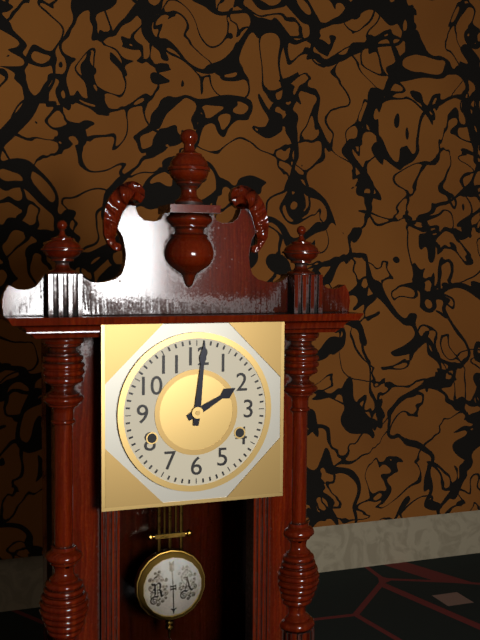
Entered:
2:01
